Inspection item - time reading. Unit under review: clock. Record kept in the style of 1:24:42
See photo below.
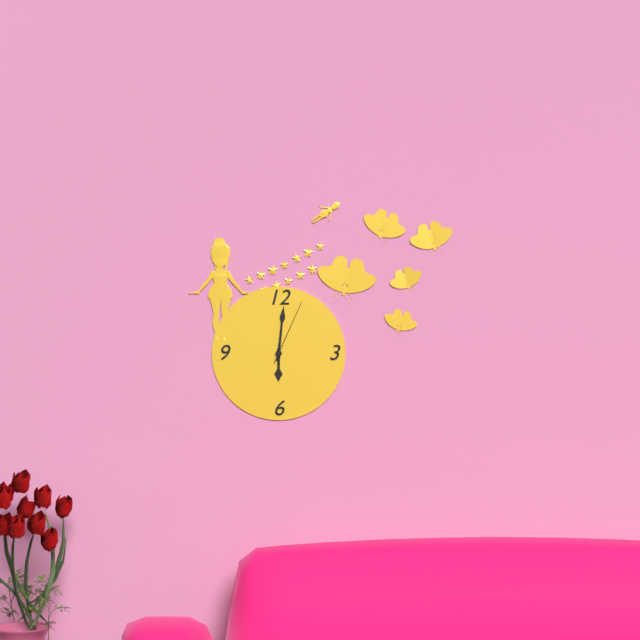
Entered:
6:01:04
